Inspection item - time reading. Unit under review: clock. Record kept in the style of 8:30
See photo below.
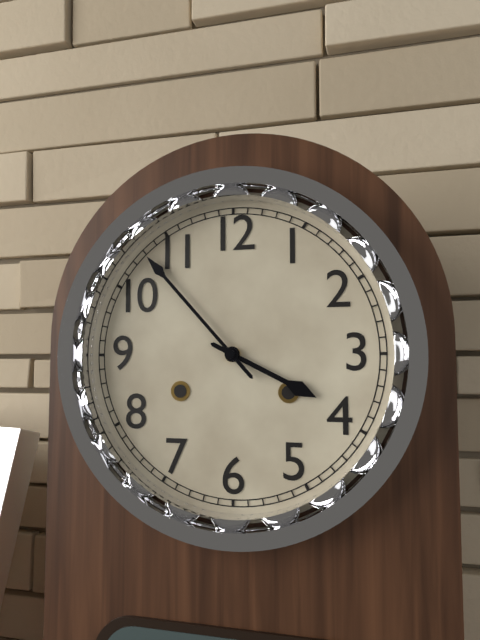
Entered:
3:53
